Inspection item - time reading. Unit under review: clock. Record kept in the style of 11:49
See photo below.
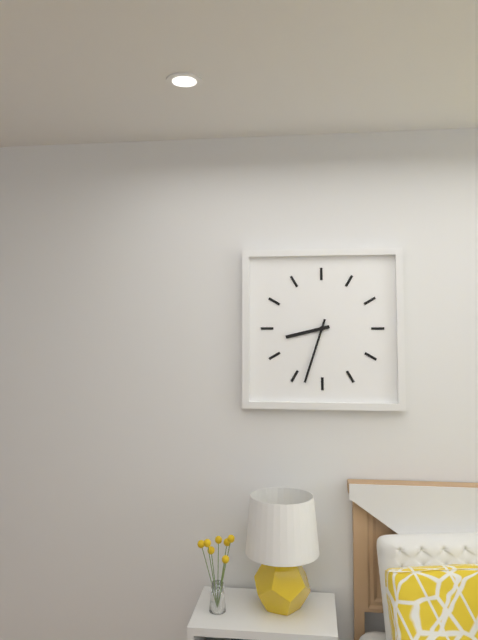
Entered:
8:33
